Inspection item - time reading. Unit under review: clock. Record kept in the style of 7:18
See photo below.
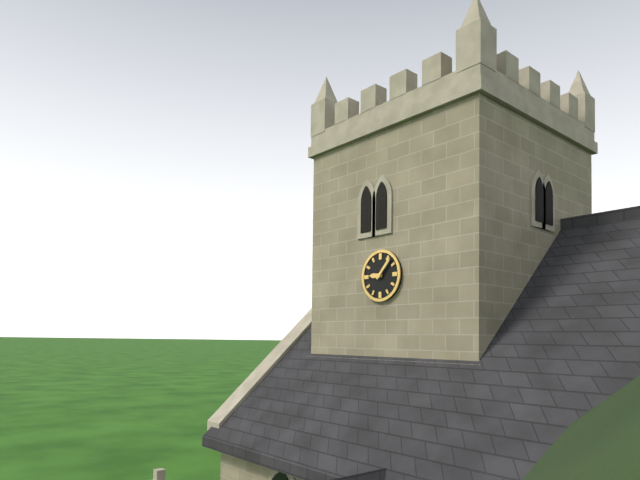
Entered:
9:07
